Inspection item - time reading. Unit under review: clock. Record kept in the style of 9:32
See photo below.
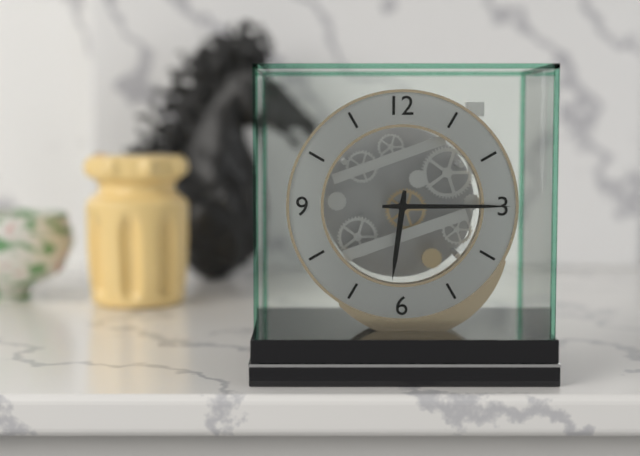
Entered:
6:15
